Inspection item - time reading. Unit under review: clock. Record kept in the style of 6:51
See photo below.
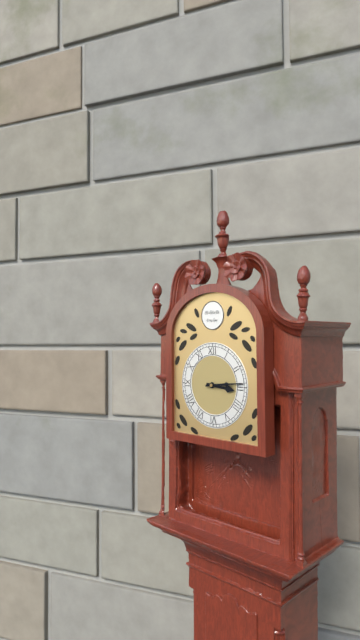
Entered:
3:14
